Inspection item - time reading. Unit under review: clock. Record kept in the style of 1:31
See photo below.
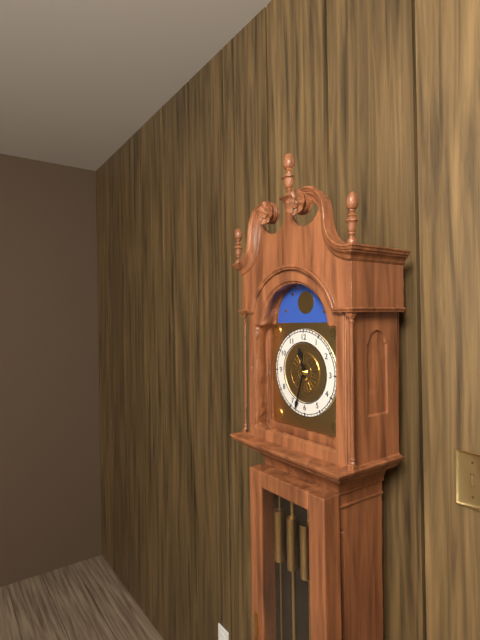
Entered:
11:33
